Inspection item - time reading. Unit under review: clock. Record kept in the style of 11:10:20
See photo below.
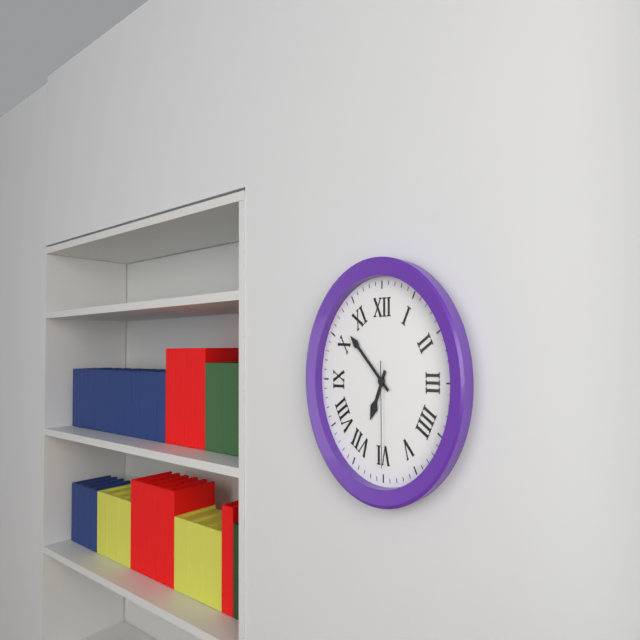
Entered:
6:52:30
